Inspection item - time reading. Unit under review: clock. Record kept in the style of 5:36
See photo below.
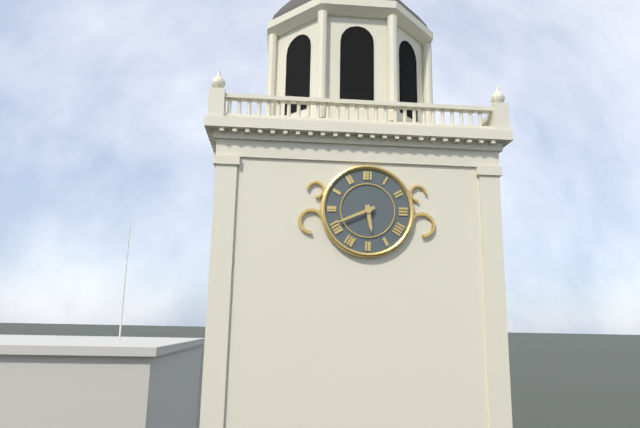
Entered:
5:41
